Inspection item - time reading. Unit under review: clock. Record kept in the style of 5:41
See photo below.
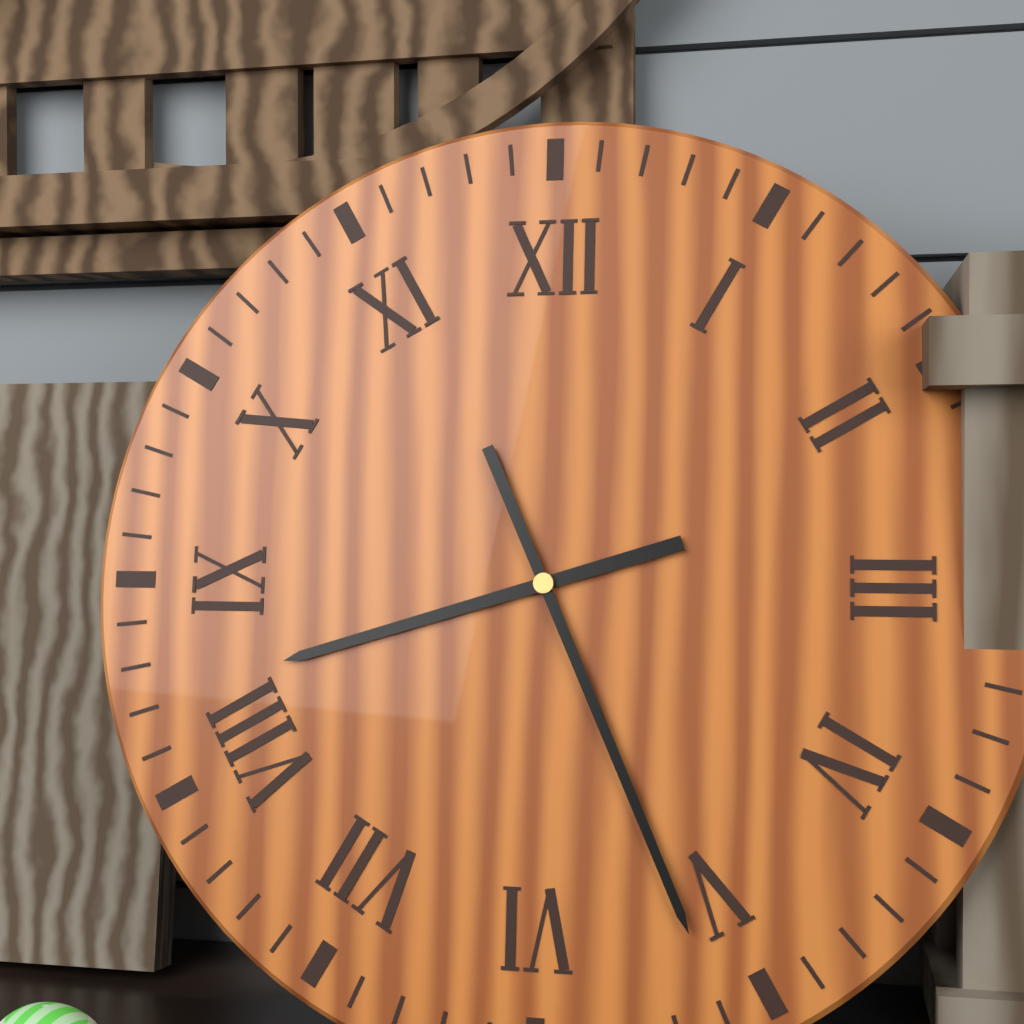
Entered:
8:26
